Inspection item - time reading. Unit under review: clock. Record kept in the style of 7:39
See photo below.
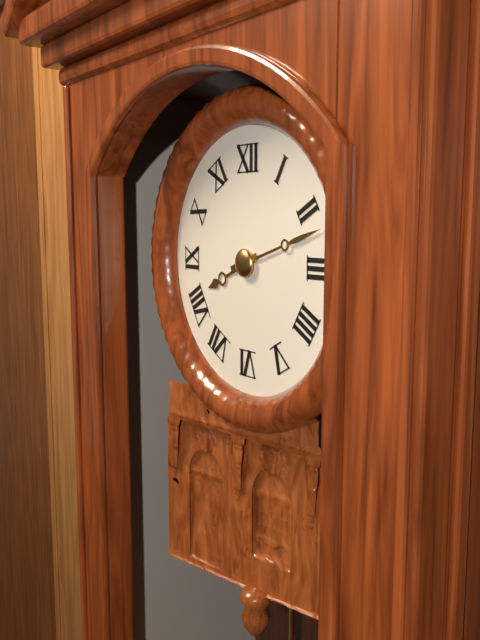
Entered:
8:12
